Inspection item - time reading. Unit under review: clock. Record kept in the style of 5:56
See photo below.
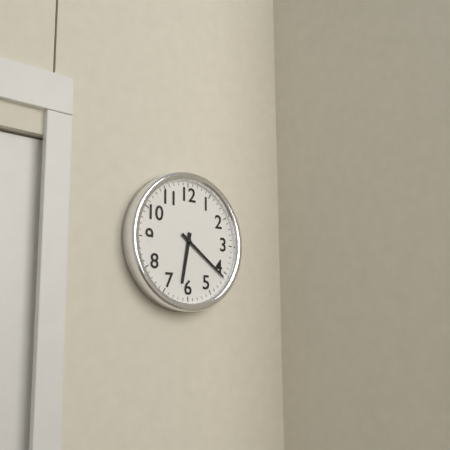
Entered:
6:21
